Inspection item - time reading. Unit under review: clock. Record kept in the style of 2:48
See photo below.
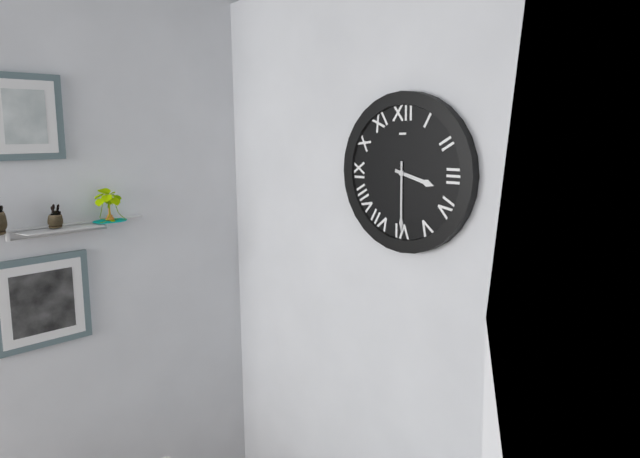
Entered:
3:30
